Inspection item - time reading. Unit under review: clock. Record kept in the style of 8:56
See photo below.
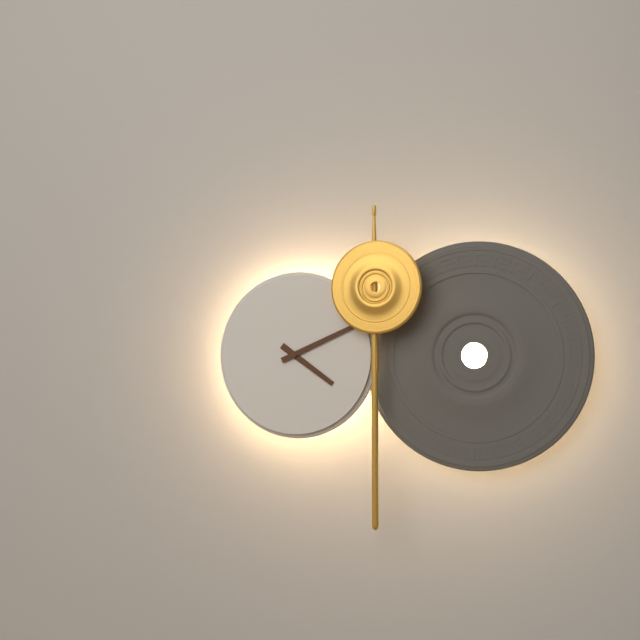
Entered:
4:11
